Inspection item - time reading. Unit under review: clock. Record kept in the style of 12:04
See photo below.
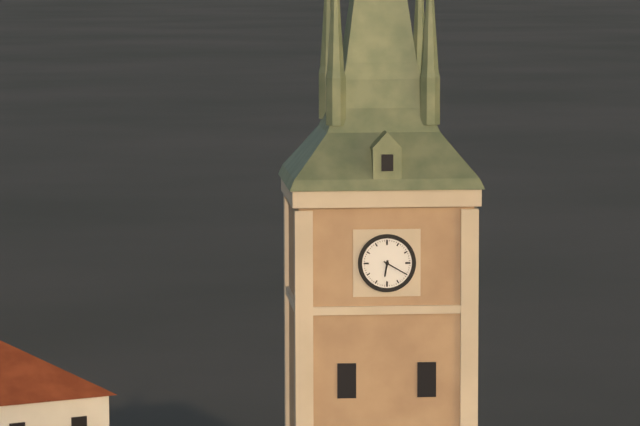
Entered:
6:20
